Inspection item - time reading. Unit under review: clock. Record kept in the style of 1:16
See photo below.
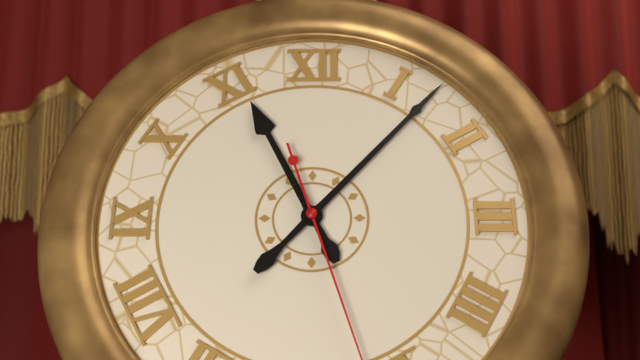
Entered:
11:07
